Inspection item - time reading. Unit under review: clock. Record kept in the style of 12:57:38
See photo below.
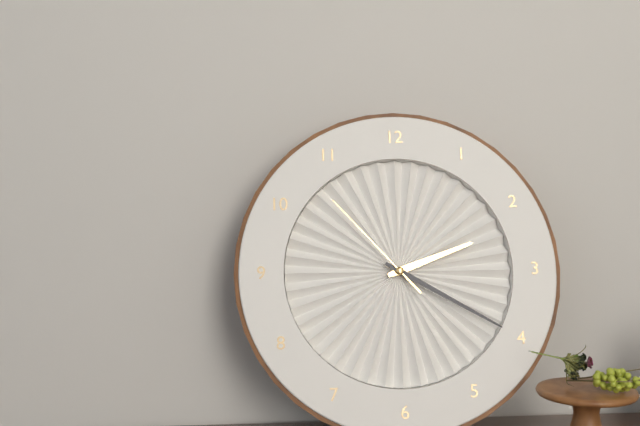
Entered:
2:20:53
